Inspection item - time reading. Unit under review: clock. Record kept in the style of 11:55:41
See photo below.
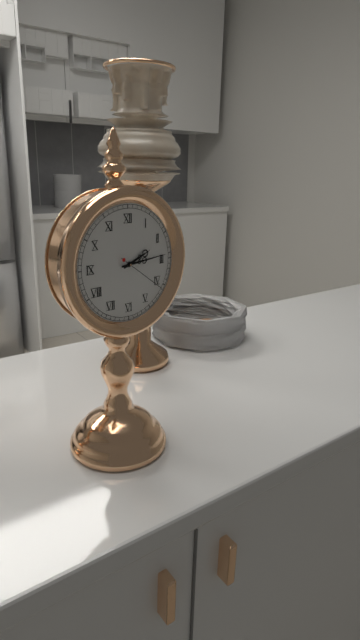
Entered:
2:14:21
